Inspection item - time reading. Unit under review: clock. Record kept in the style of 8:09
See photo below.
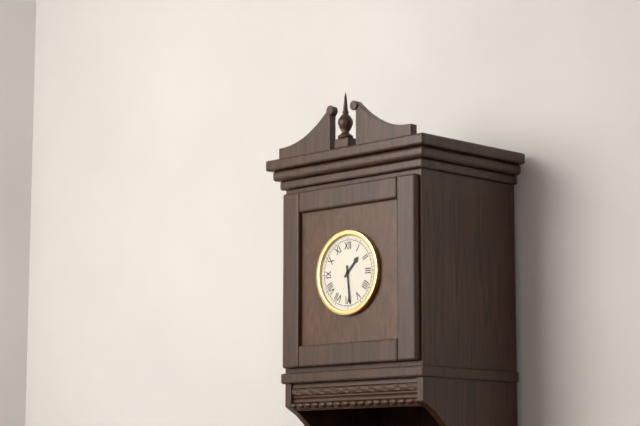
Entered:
1:29
